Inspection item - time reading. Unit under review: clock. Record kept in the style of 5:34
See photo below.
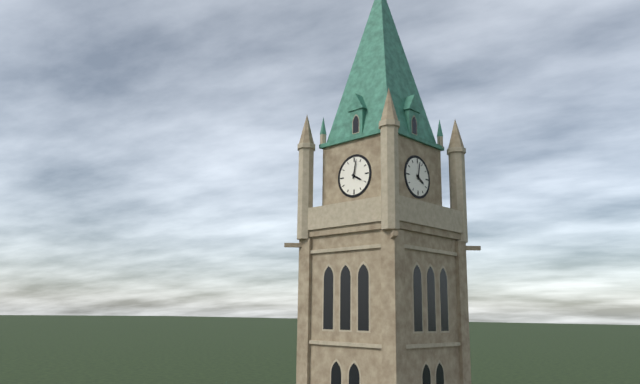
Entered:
4:02
